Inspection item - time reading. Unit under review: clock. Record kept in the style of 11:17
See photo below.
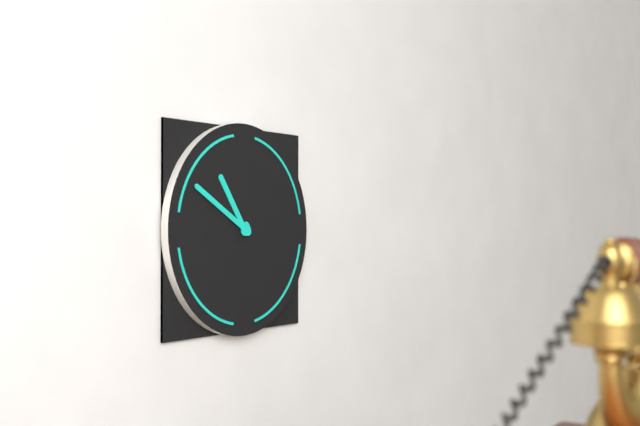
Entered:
10:50
